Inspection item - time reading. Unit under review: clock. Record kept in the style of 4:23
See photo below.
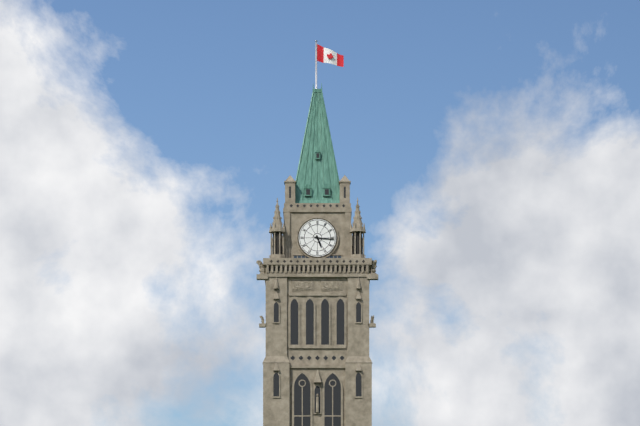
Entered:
5:16
